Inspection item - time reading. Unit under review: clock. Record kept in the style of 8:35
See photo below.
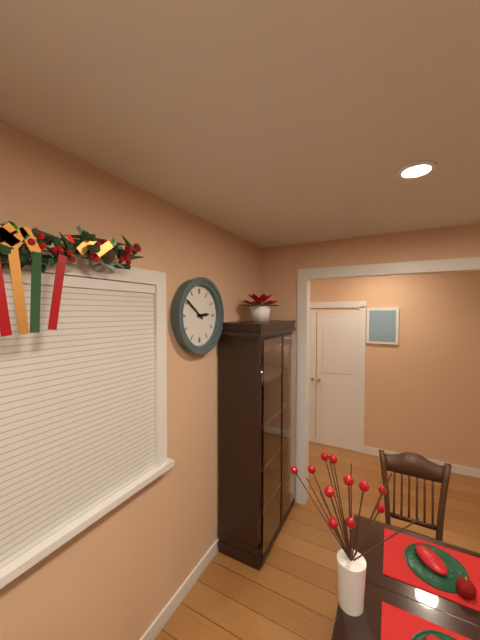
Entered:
2:51
